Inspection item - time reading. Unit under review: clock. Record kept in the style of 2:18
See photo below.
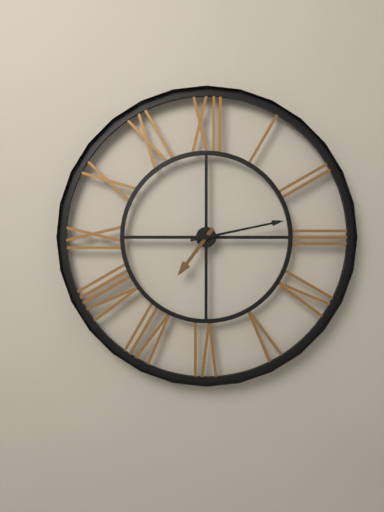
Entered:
7:13
